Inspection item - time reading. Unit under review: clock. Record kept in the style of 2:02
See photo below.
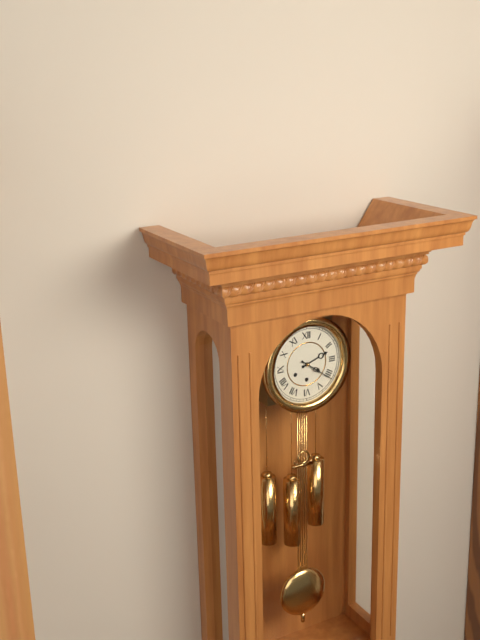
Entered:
2:21
